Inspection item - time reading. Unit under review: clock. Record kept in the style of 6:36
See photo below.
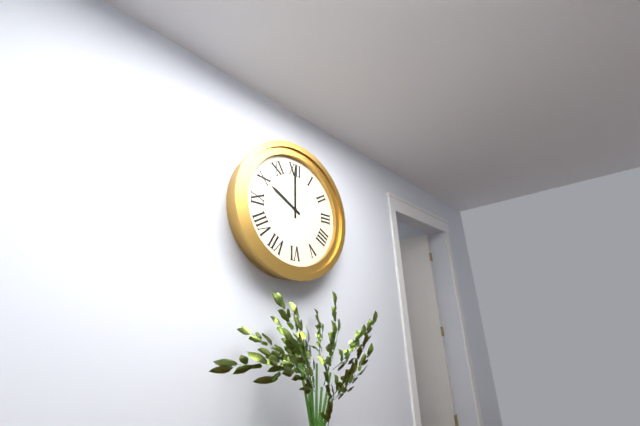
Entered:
10:00
